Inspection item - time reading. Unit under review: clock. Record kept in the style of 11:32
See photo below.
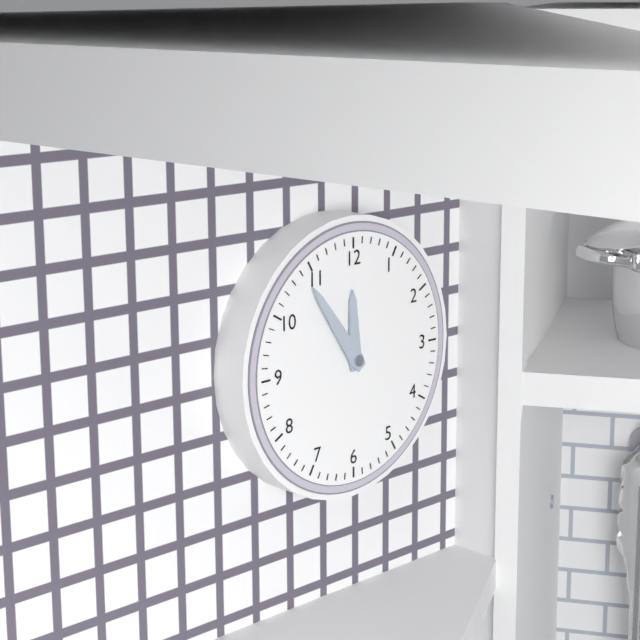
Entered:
11:54
